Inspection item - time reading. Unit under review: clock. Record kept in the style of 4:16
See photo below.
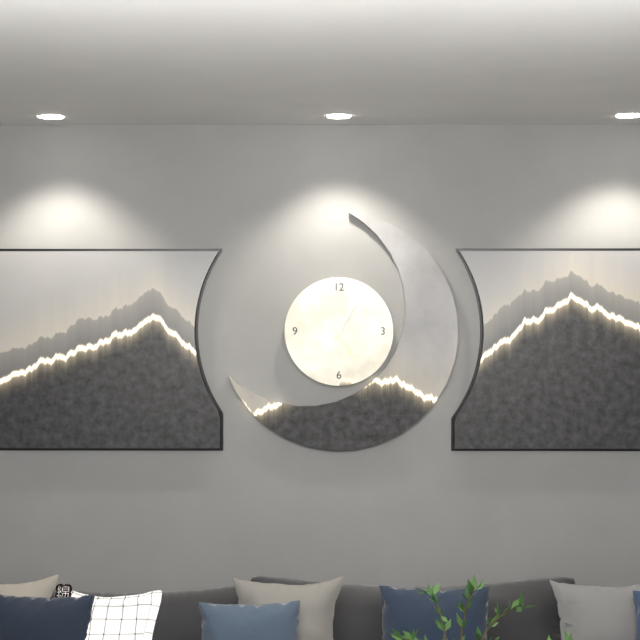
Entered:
5:05
